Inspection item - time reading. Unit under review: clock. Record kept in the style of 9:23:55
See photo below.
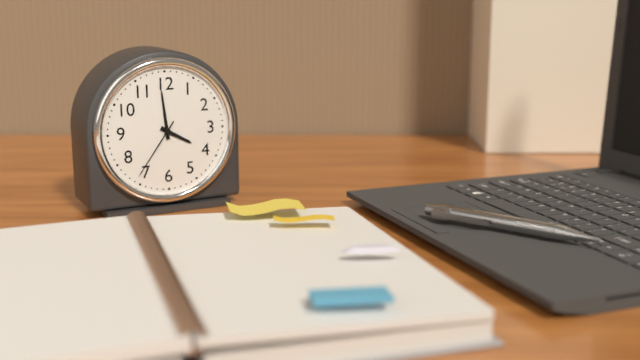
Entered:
3:59:36
